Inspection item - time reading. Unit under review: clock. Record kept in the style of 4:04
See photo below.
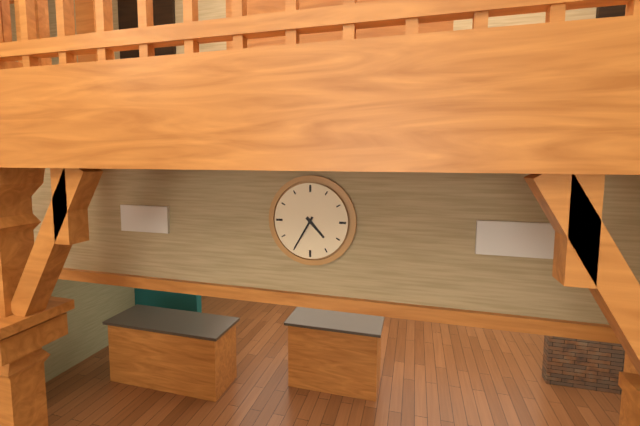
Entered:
4:35
